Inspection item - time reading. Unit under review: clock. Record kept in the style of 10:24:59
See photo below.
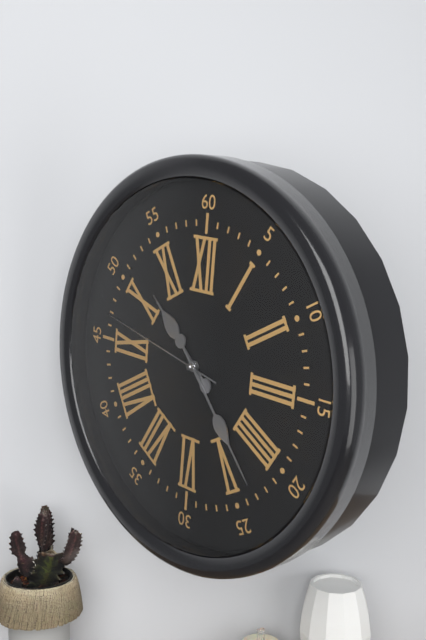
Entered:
10:23:47
